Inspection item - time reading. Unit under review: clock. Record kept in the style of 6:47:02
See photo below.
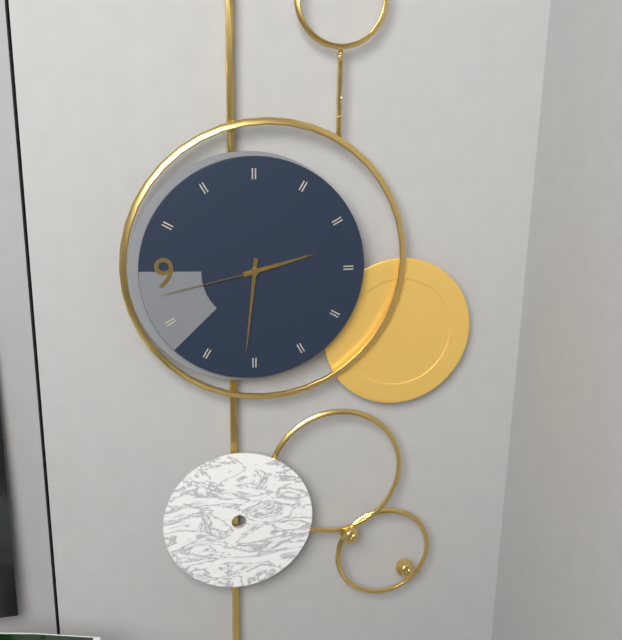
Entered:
2:31:43
